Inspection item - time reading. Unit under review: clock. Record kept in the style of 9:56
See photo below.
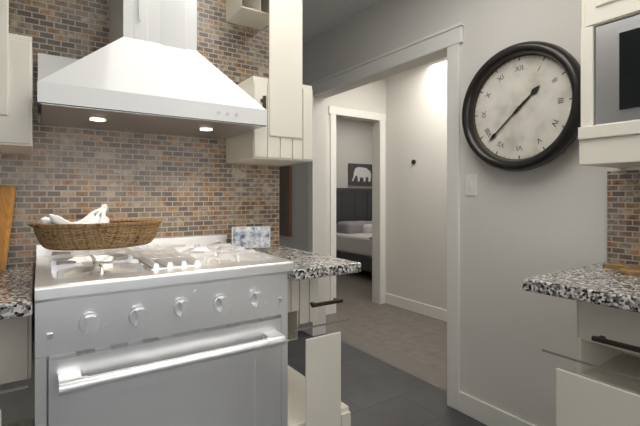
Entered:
1:38
